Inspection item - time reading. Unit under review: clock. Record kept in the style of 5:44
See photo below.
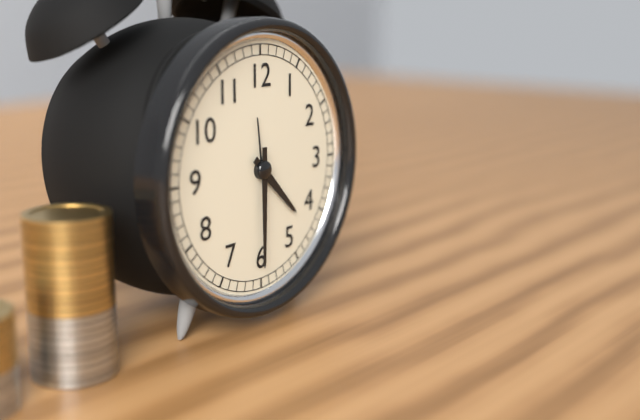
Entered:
4:30
